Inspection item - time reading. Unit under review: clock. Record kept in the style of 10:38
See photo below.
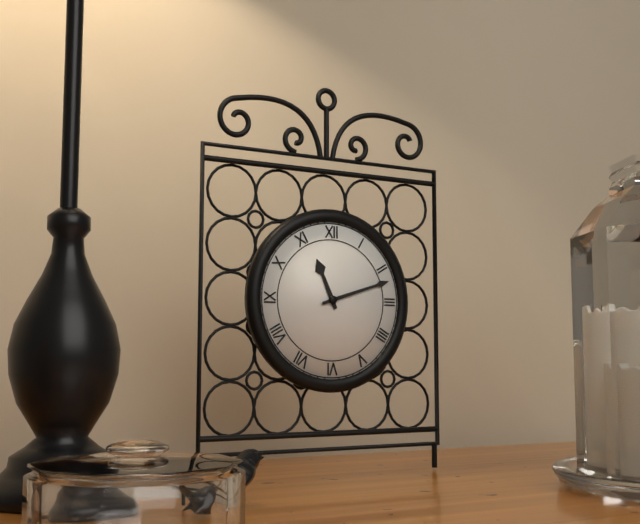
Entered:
11:12
